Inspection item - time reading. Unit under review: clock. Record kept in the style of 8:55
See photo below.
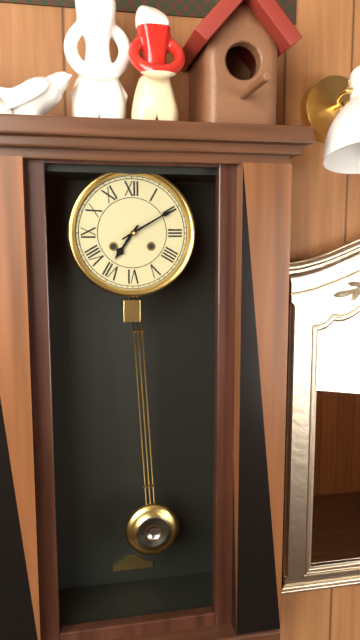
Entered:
7:10
